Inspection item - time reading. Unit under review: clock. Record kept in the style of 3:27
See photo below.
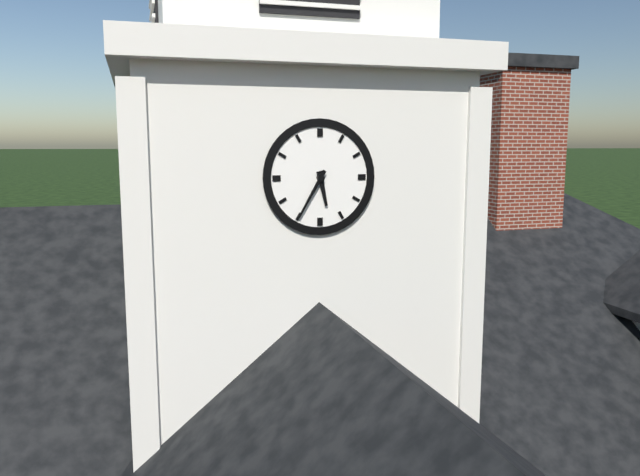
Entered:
5:35
